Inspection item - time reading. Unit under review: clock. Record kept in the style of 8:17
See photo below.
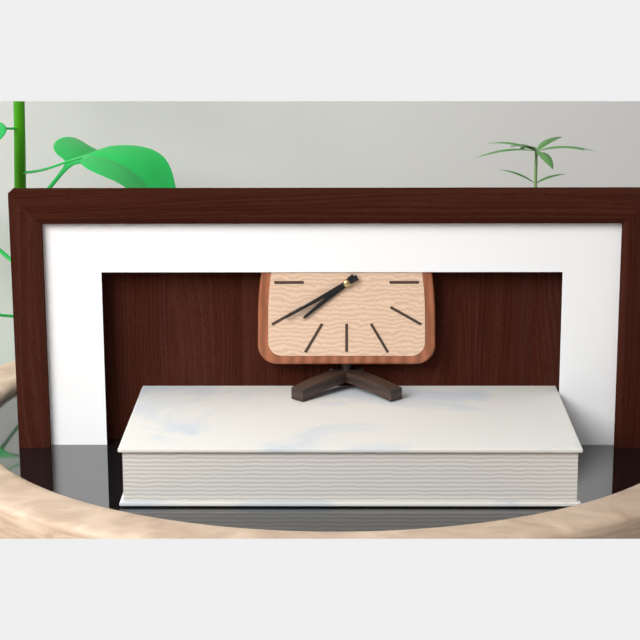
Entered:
7:40
